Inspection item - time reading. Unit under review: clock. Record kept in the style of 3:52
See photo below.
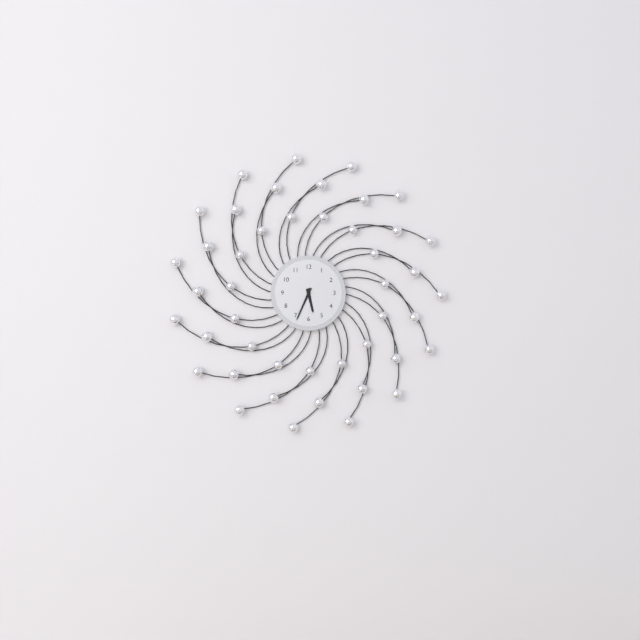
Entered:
5:34
